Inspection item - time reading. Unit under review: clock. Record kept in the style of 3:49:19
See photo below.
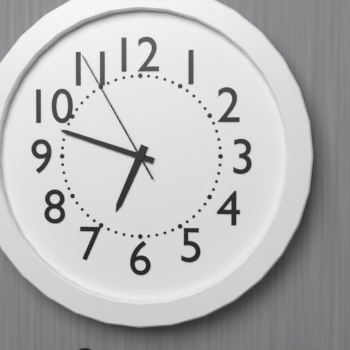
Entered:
6:48:55
